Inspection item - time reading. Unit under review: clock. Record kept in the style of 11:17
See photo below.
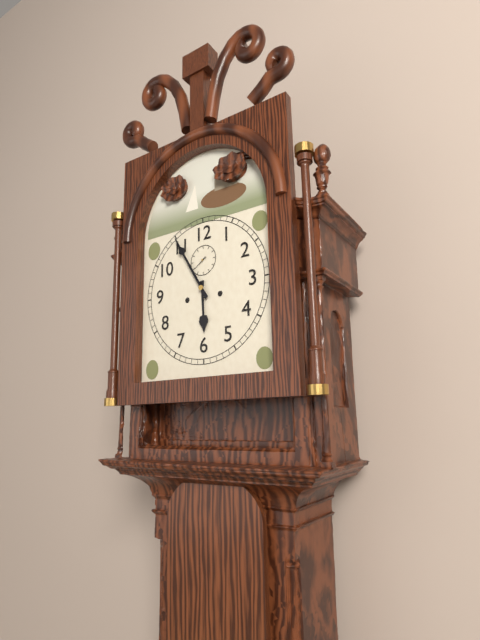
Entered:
5:55
